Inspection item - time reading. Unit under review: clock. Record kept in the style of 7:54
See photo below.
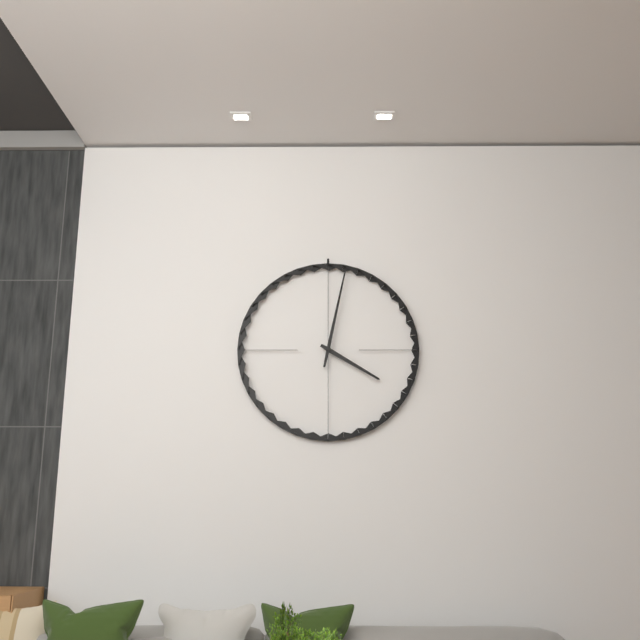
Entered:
4:02
